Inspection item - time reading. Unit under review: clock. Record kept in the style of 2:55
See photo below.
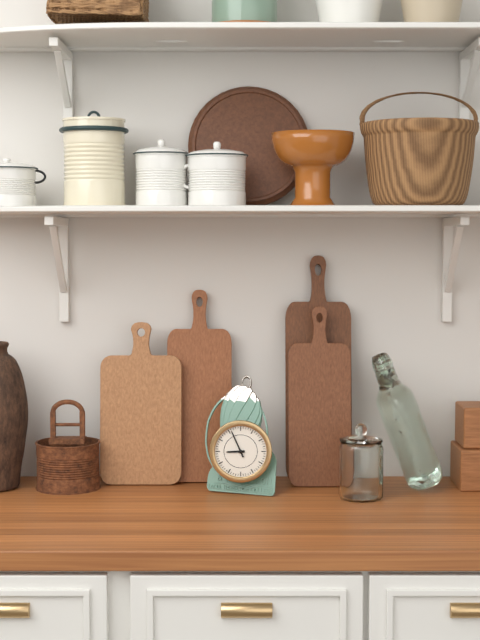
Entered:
8:56
